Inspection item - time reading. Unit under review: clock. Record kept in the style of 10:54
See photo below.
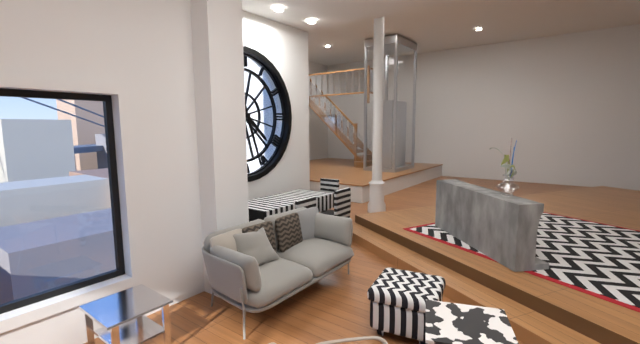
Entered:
4:27
